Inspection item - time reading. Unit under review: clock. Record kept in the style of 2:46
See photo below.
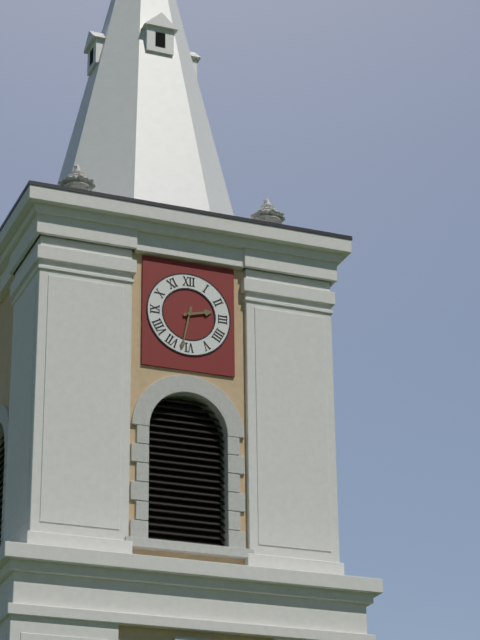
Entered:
2:32
